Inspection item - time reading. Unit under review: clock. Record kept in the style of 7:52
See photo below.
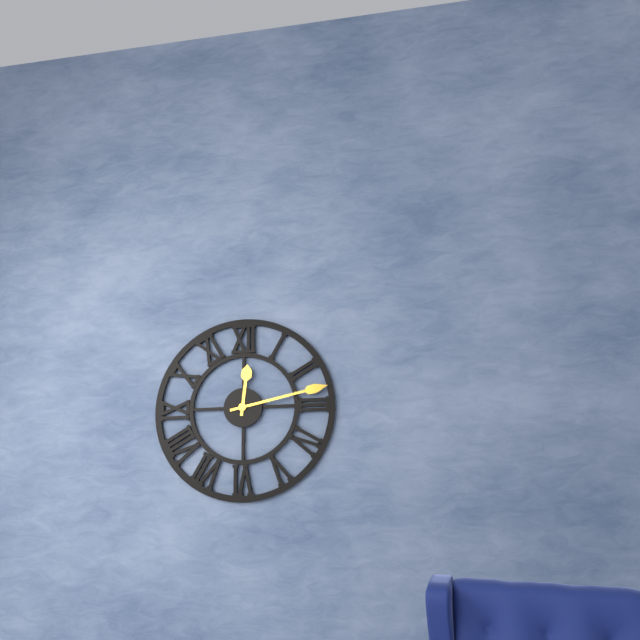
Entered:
12:13
